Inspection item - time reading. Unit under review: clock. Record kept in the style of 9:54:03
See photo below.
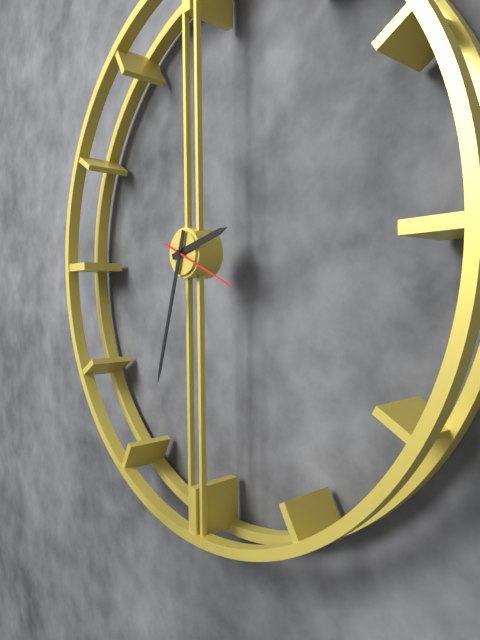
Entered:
2:33:19
